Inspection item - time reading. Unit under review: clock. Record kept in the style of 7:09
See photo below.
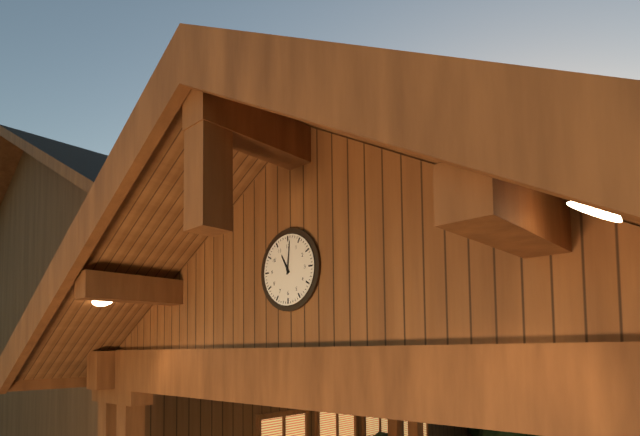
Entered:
11:01
